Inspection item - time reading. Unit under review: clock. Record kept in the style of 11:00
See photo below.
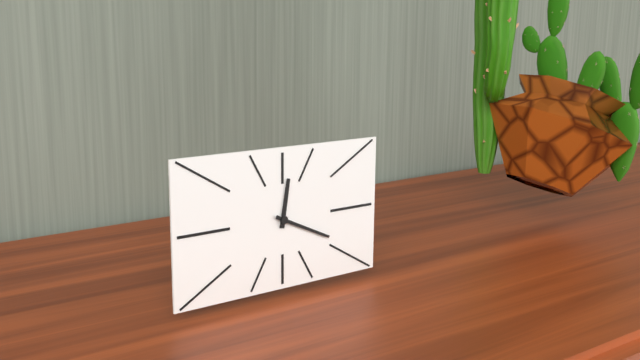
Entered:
12:19
